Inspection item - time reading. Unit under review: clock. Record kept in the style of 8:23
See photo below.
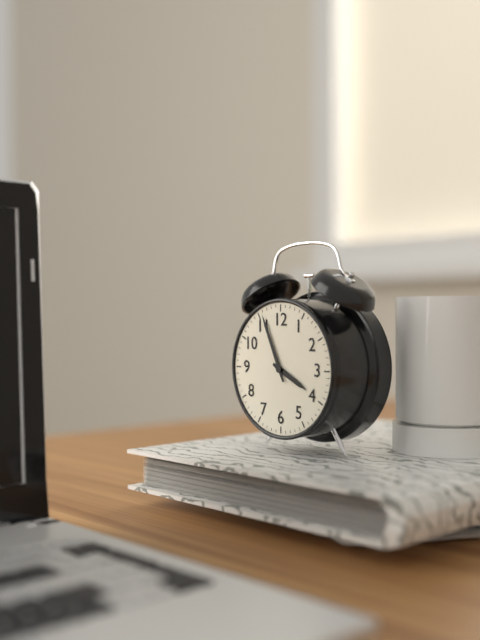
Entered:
3:56
